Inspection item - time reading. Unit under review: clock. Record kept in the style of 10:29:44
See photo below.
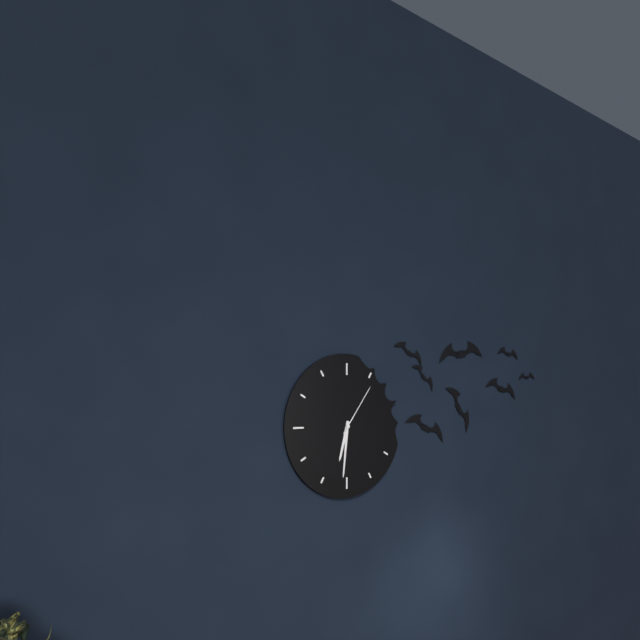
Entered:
6:31:06
